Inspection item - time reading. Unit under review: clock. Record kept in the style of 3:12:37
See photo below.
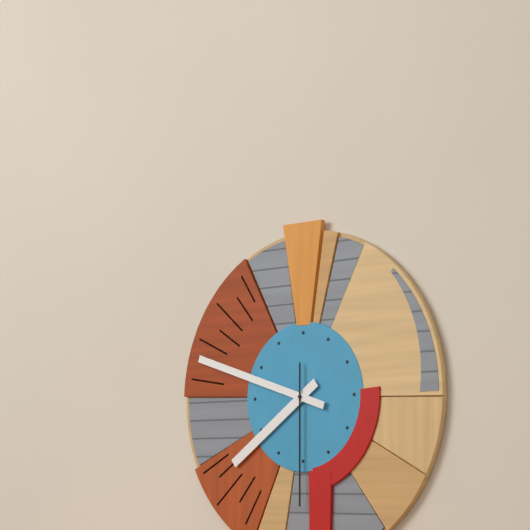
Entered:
7:48:30
